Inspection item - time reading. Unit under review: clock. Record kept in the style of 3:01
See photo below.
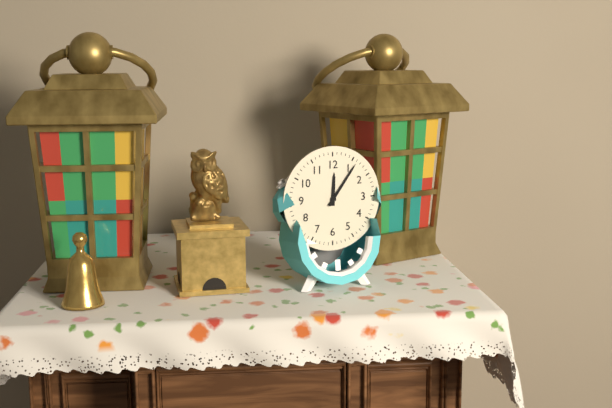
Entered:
12:06
